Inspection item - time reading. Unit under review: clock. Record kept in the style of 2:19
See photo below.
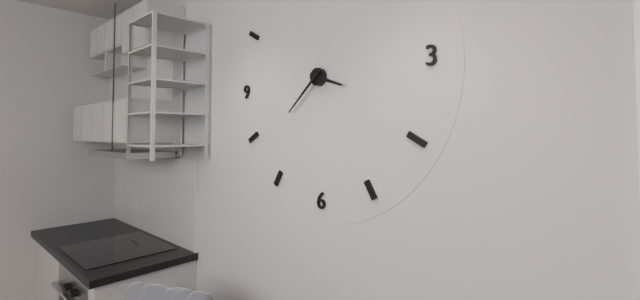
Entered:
3:38
